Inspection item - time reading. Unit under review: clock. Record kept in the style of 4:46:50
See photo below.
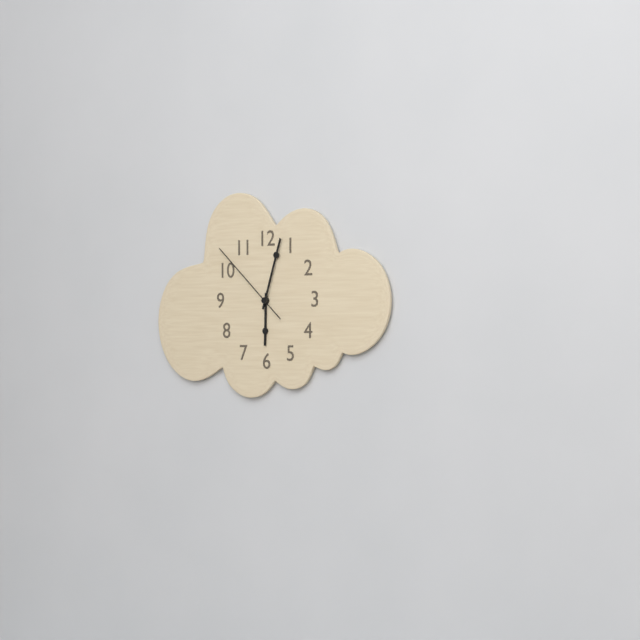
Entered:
6:03:52
